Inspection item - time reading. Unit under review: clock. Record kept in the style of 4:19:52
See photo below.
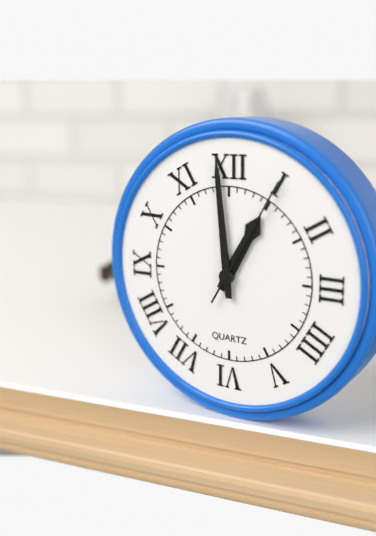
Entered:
12:59:05
